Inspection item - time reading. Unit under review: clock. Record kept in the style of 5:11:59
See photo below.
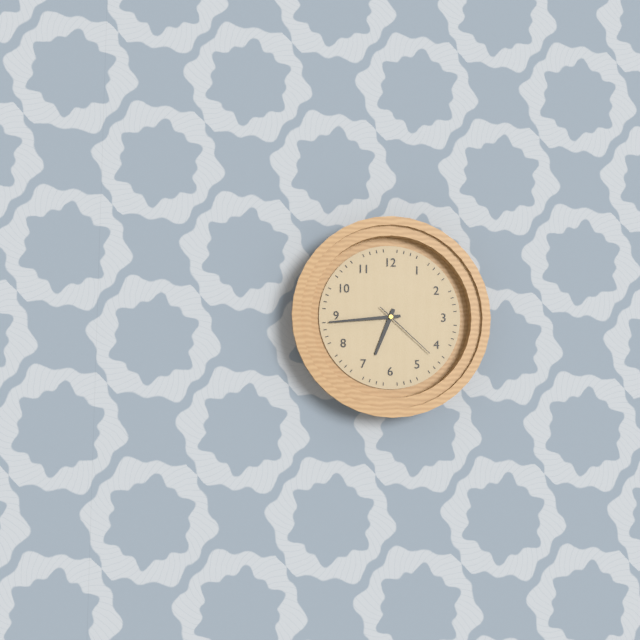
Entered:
6:44:22
